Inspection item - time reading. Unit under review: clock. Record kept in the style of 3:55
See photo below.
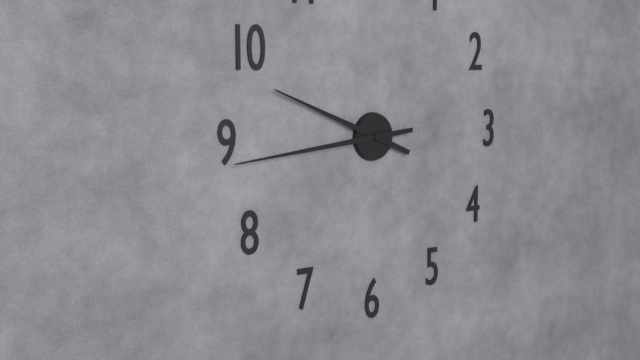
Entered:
9:44
